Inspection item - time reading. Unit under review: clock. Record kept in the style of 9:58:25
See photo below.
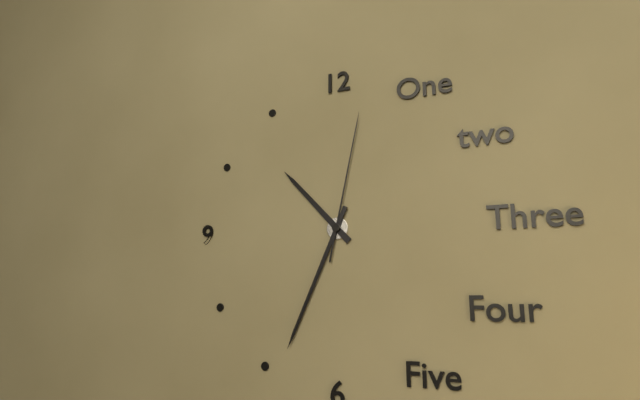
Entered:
10:34:02
